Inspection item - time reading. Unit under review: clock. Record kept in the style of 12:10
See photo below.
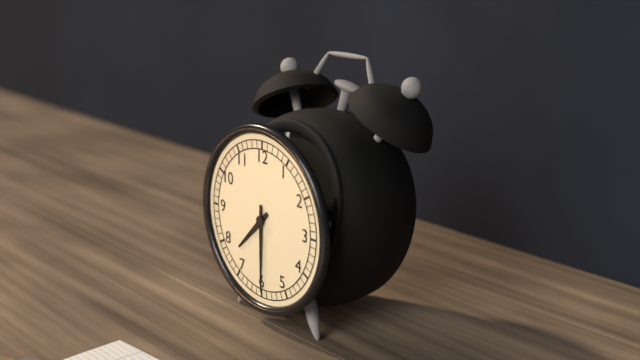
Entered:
7:30
